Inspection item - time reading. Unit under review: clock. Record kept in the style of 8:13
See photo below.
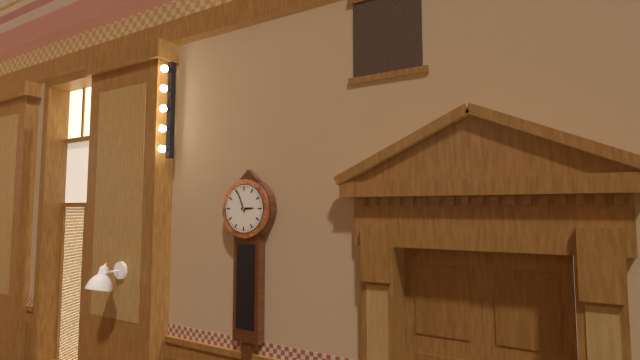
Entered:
2:56
